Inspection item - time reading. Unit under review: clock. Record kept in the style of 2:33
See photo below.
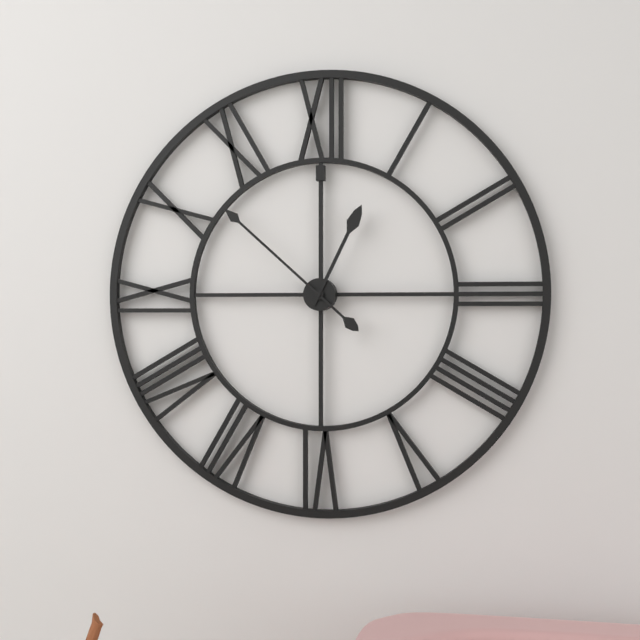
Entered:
12:52
